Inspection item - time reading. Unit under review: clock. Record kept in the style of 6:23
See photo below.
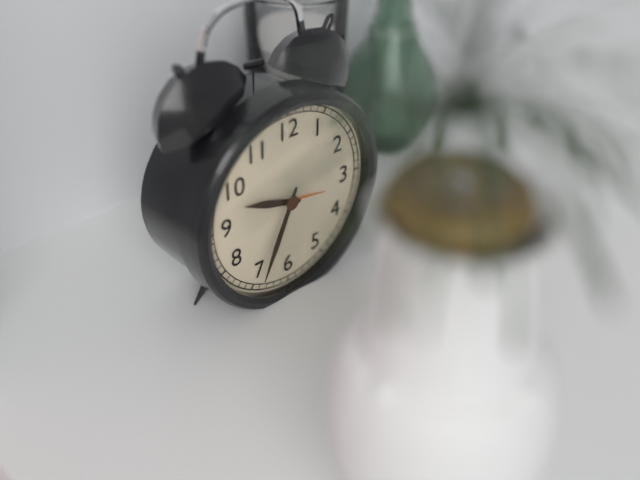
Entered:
9:34
